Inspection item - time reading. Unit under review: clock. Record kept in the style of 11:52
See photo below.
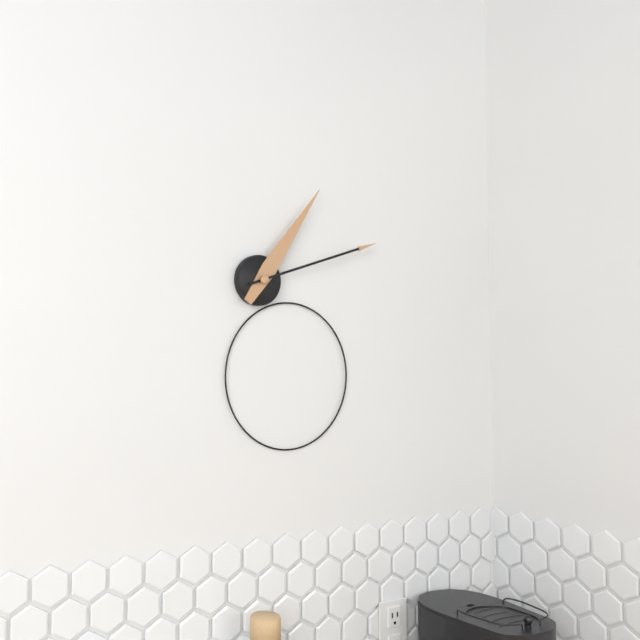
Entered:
1:12
